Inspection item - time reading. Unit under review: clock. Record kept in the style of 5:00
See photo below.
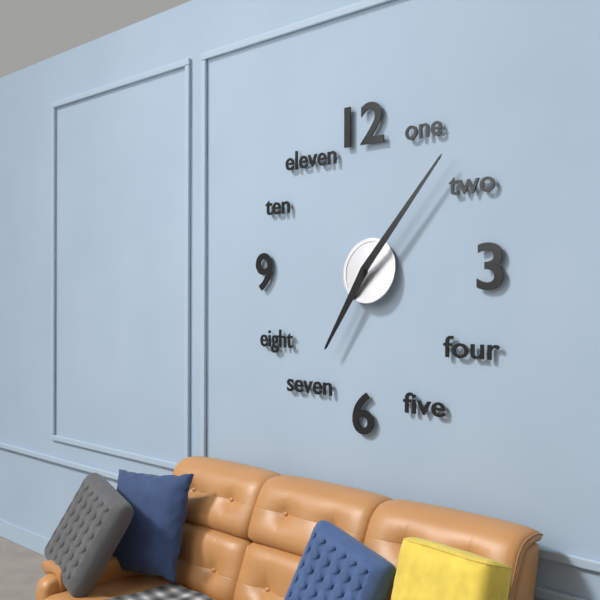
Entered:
7:07
